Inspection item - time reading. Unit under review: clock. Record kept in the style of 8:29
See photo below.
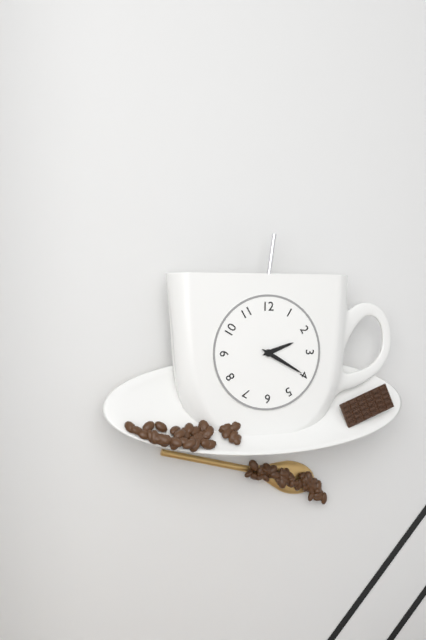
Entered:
2:20
